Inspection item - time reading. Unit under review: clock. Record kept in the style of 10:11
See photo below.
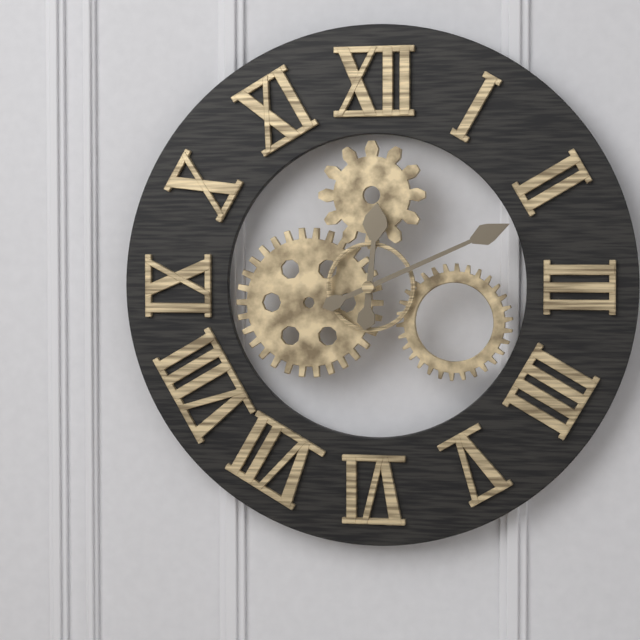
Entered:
12:11
